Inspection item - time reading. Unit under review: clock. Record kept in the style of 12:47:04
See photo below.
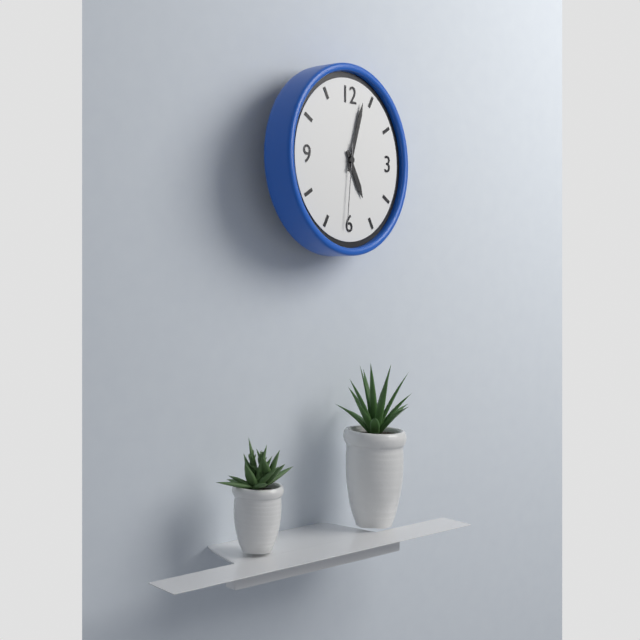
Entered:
5:03:31
